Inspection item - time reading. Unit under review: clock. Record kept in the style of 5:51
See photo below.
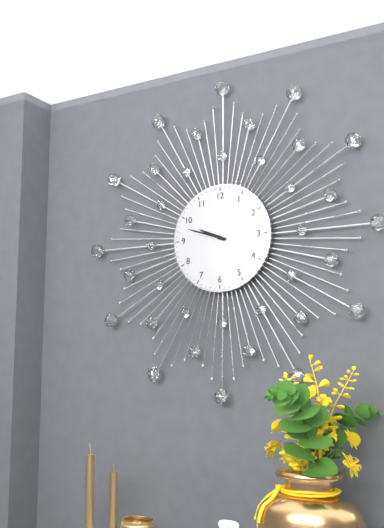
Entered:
9:48
